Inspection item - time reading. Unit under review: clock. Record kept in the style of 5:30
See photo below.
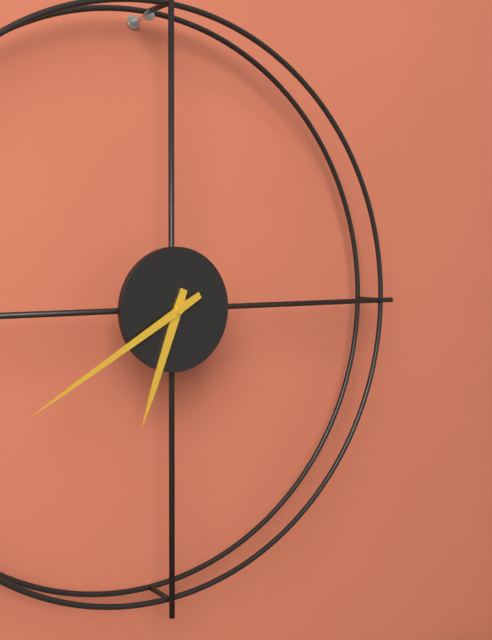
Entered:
6:40
